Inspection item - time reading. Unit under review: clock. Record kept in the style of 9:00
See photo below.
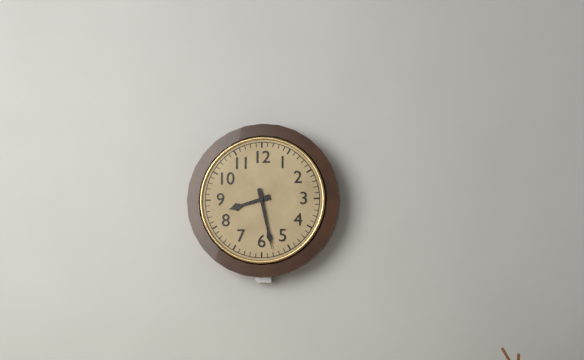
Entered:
8:28
